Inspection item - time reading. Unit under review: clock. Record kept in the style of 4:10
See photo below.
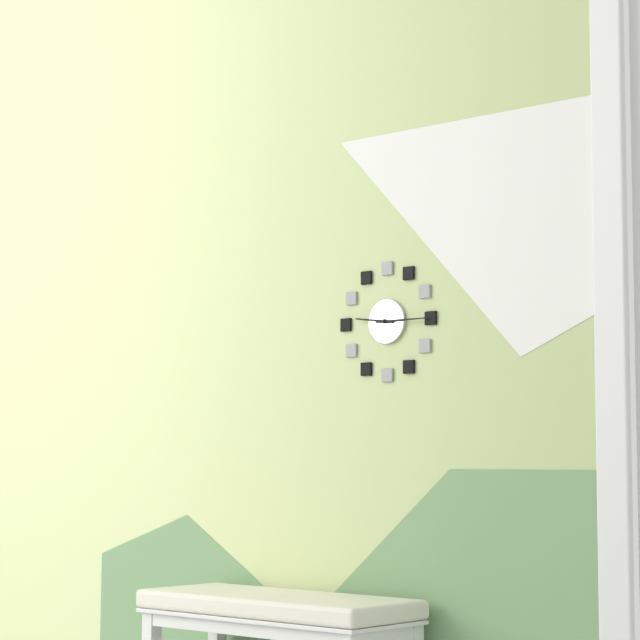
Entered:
9:15
